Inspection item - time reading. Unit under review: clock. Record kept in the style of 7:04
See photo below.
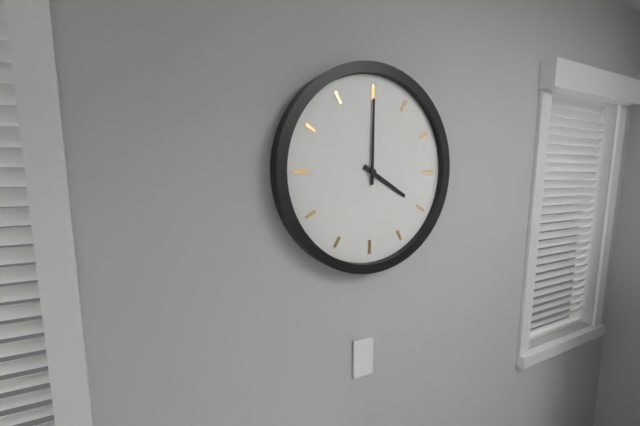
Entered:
4:00
